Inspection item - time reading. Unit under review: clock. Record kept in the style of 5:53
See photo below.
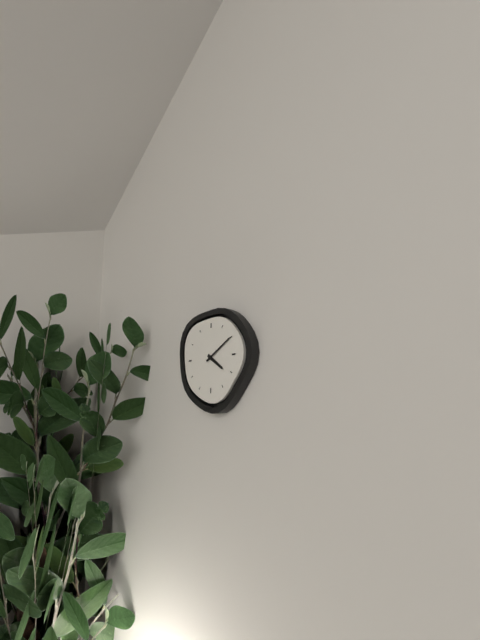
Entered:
4:10
